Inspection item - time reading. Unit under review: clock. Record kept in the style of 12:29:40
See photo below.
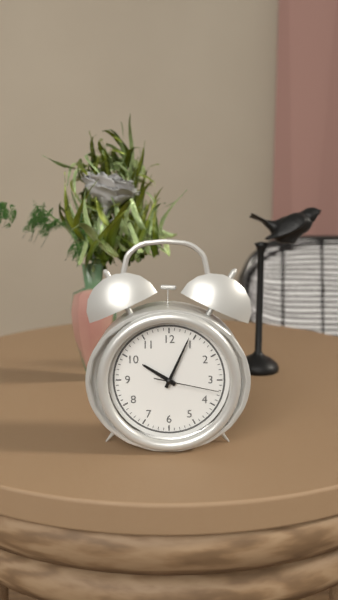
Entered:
10:04:17
